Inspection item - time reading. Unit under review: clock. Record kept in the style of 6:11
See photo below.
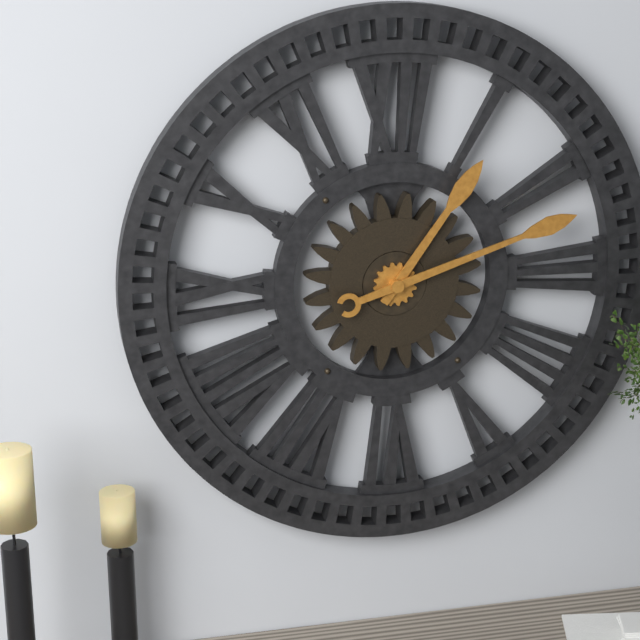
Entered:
1:12
